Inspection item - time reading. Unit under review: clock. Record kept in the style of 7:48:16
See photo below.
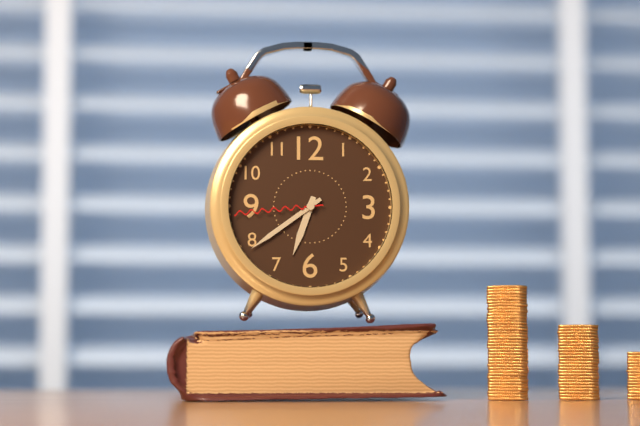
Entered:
6:39:44
